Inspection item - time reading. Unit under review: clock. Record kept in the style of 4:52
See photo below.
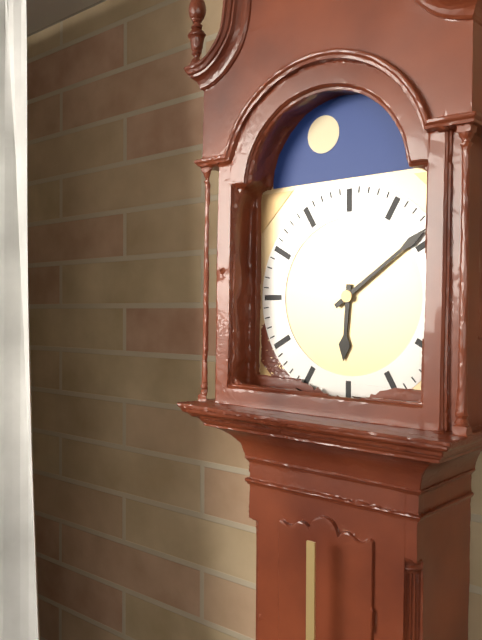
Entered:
6:09
